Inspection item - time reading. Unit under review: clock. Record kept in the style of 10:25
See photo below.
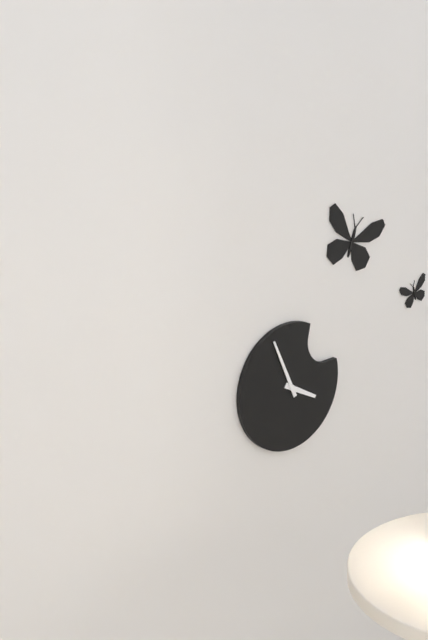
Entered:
3:56
